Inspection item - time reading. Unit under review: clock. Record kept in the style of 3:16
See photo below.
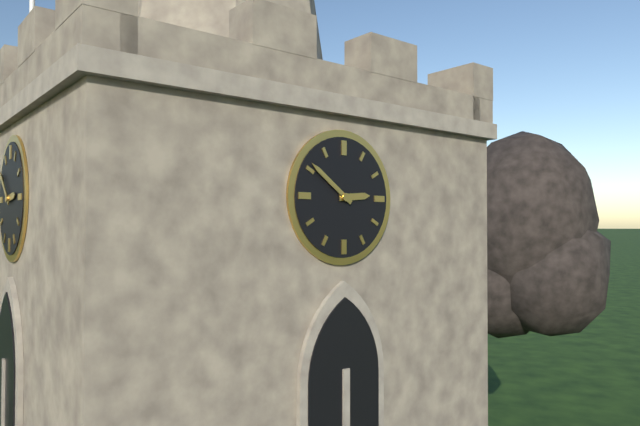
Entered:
2:51
